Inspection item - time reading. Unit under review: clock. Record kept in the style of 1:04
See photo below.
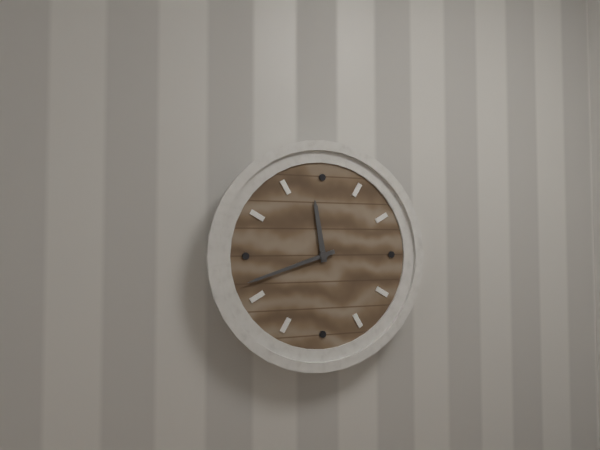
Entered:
11:42
